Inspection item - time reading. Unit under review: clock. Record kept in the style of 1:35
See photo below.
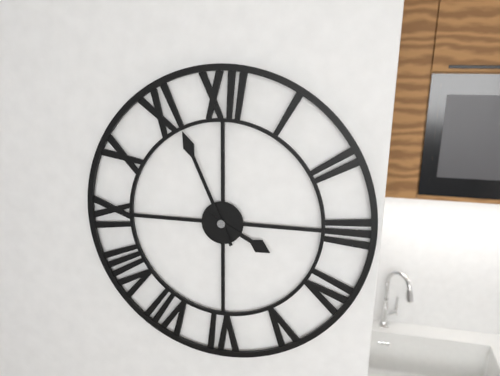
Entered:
3:56
